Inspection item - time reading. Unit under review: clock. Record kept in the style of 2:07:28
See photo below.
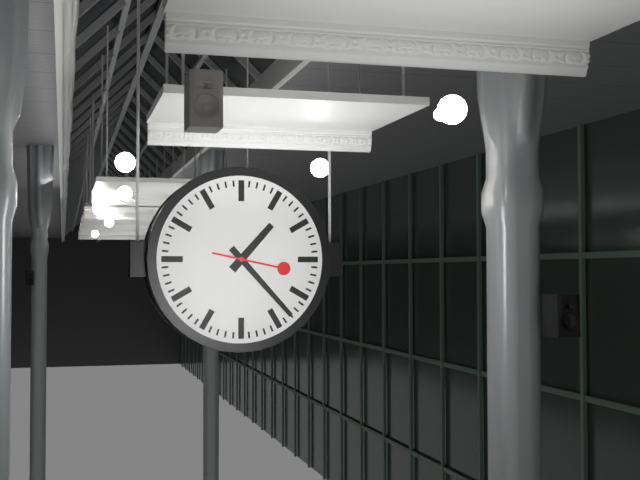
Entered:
1:23:17
